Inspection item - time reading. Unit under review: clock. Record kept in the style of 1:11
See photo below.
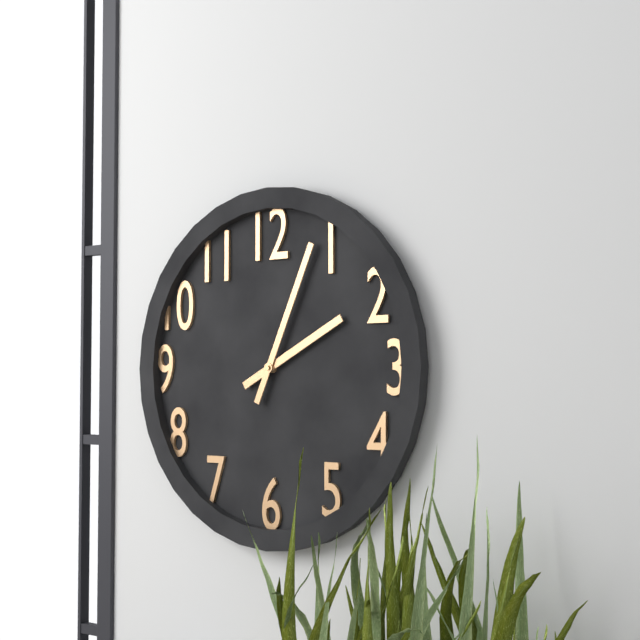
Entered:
2:04
